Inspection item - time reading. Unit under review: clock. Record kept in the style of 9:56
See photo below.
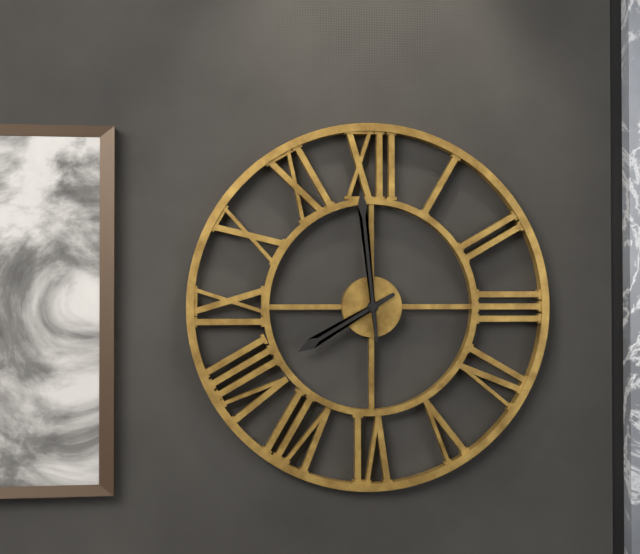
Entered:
7:59
